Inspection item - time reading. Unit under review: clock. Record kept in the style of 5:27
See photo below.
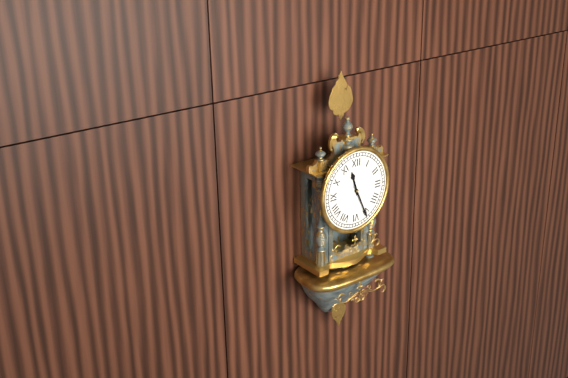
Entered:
11:26
